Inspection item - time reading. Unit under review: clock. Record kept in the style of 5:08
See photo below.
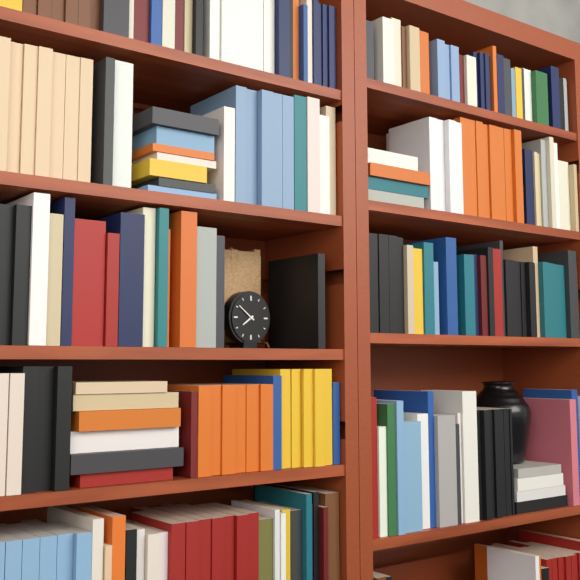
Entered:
7:51
